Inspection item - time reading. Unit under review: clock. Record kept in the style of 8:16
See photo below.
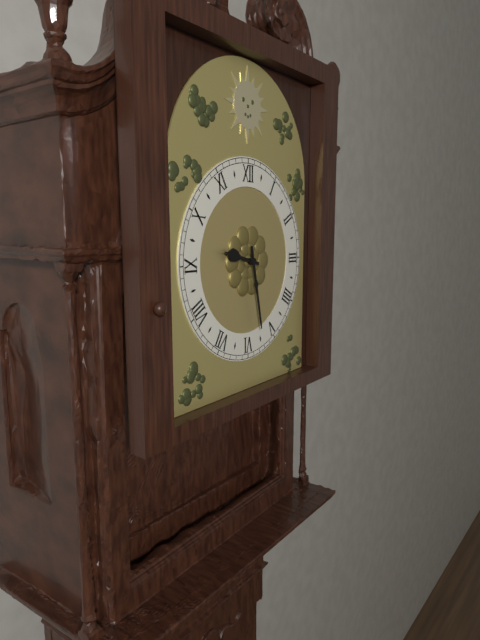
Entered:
9:28
